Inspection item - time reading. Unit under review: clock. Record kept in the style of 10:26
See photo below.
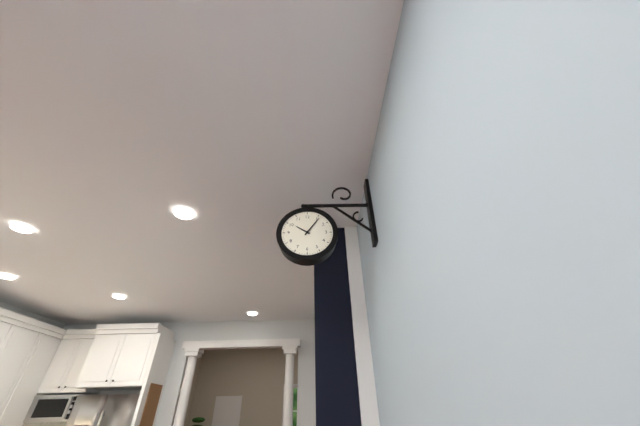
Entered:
10:06
